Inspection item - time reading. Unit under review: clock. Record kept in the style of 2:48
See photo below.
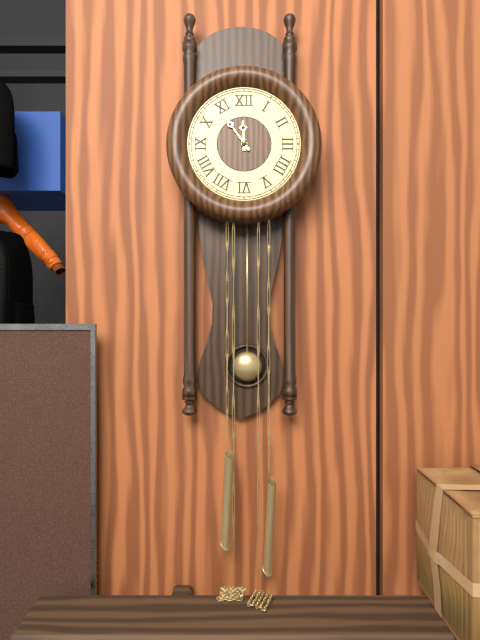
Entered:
11:54
